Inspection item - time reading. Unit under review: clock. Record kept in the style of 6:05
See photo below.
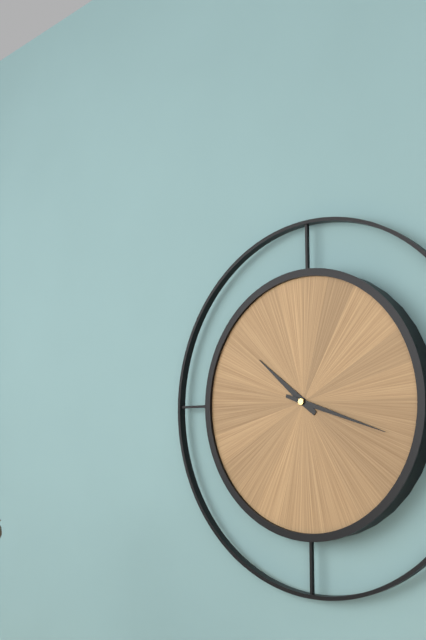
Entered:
10:18
